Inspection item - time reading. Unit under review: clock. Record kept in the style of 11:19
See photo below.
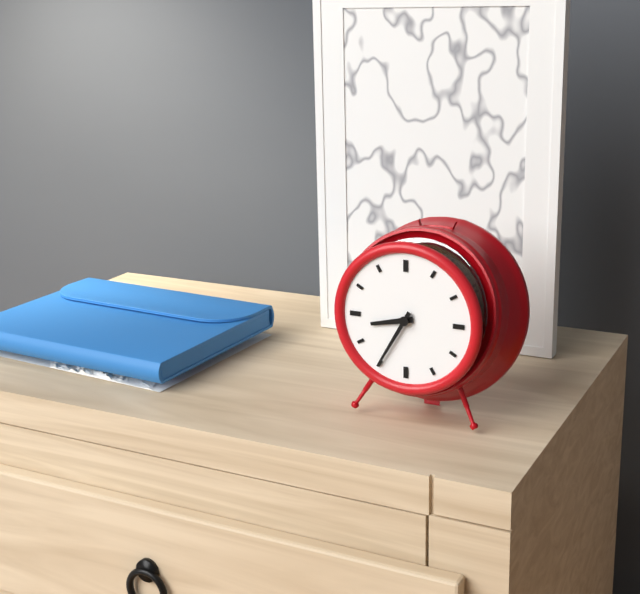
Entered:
8:35
